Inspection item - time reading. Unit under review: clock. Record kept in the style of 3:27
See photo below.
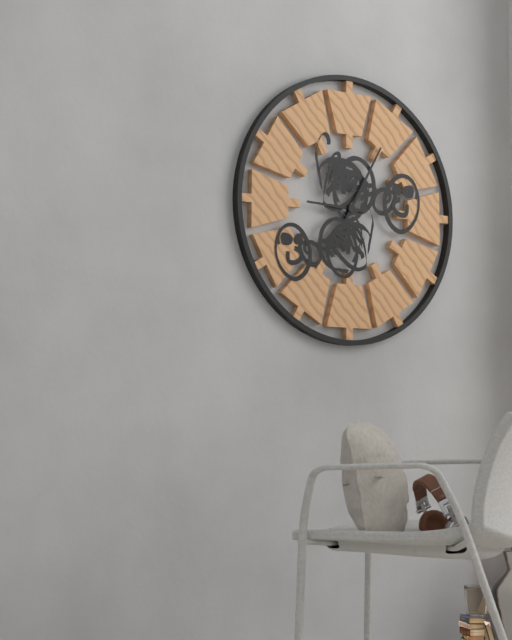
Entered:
9:05
